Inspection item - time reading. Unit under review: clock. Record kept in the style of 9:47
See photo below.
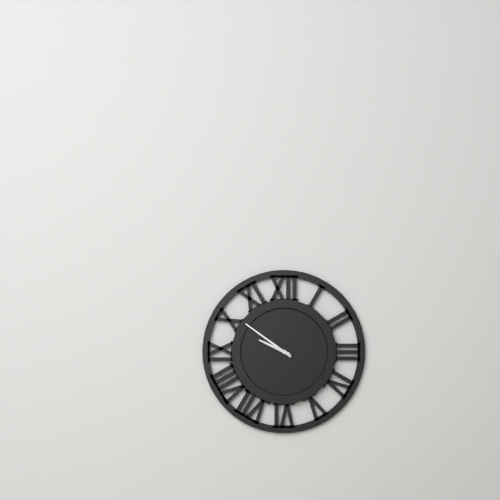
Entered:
9:51
